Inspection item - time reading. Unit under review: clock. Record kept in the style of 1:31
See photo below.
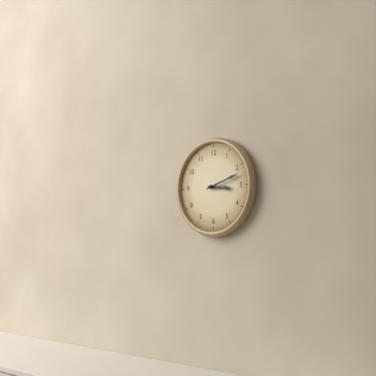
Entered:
3:12
